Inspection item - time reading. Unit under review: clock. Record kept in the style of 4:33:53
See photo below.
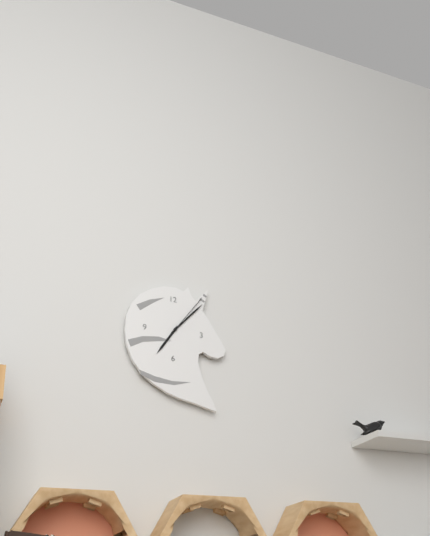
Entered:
7:07:06
